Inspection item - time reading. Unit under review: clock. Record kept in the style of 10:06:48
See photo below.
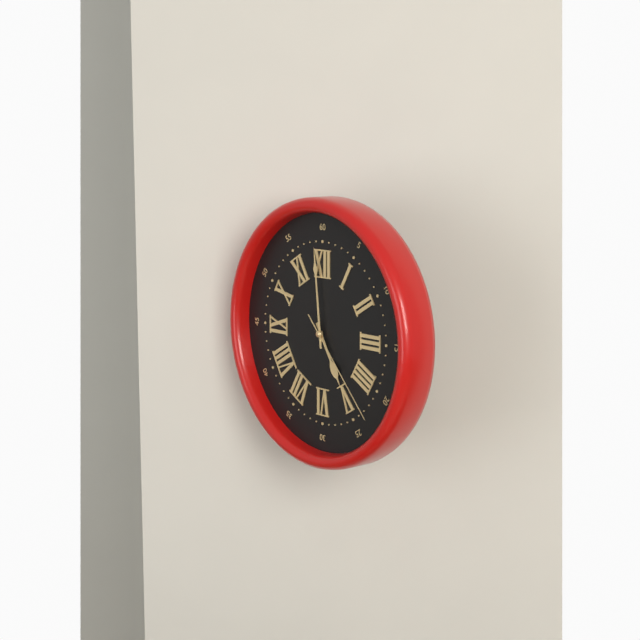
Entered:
4:59:23
